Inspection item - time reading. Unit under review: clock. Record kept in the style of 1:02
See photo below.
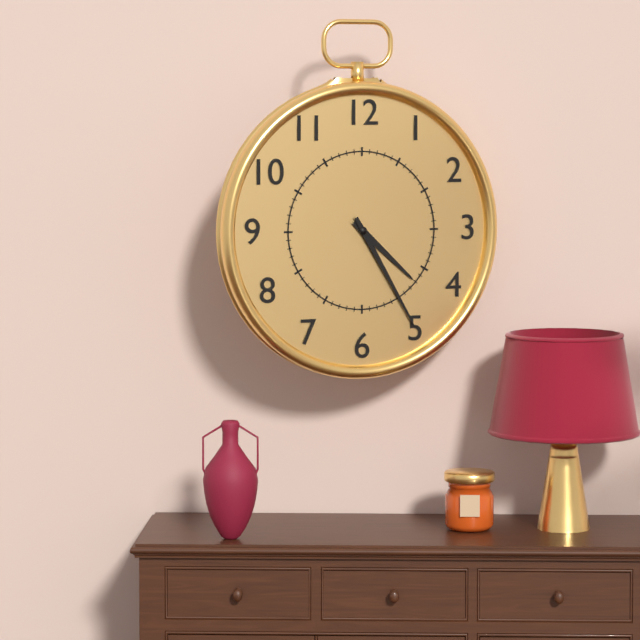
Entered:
4:25
